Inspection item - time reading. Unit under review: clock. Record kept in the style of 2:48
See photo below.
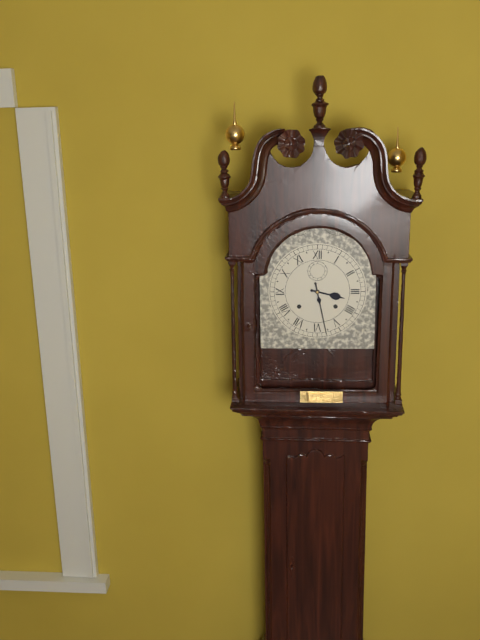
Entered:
3:28
